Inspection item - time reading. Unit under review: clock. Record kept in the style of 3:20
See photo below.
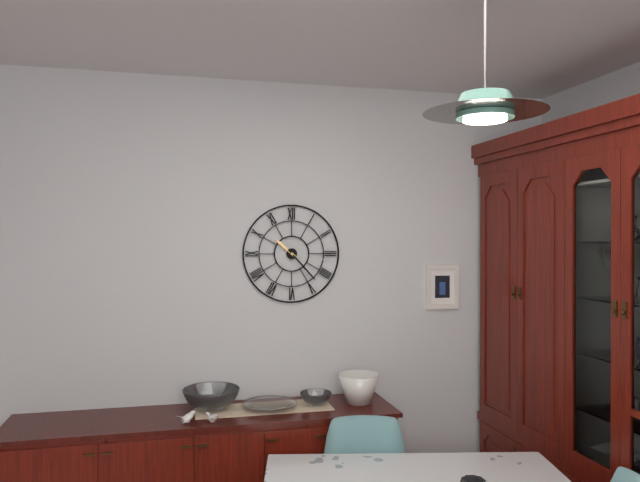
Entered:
10:23
